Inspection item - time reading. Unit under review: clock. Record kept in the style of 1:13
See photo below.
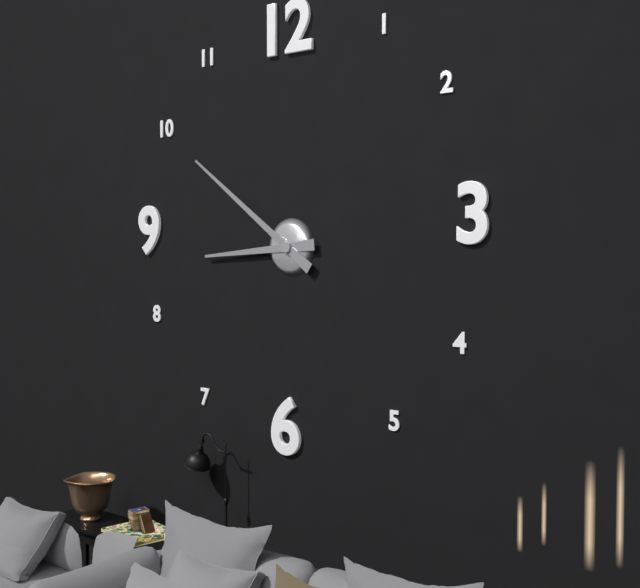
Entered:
8:51
